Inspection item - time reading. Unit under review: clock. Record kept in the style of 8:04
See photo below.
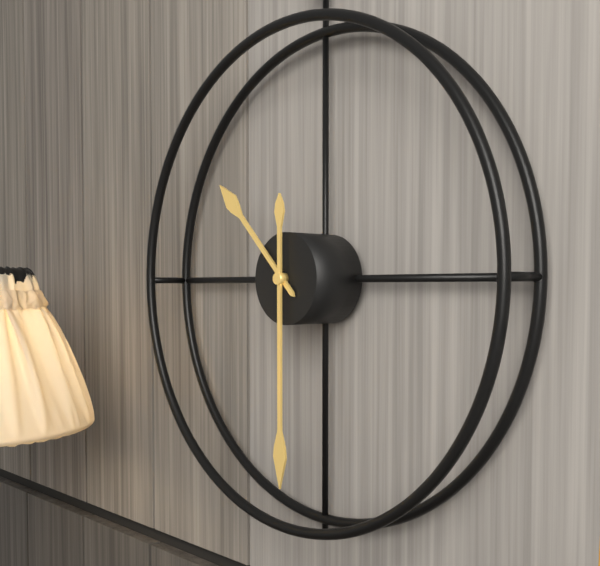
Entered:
10:30
